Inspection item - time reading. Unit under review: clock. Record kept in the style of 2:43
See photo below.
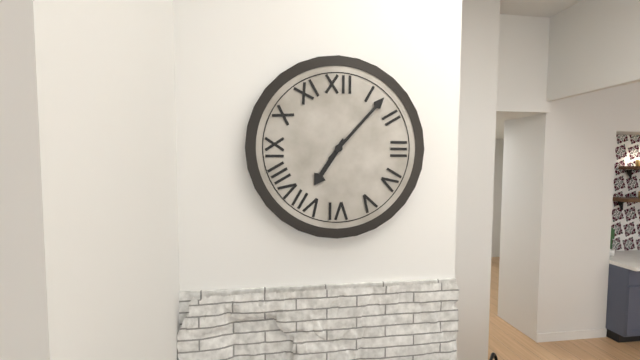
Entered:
7:07
